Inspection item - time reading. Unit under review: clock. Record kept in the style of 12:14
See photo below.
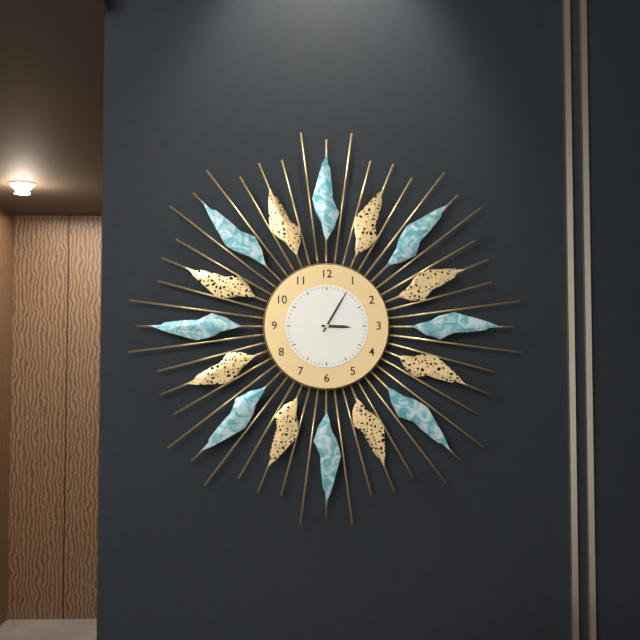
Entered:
3:05
